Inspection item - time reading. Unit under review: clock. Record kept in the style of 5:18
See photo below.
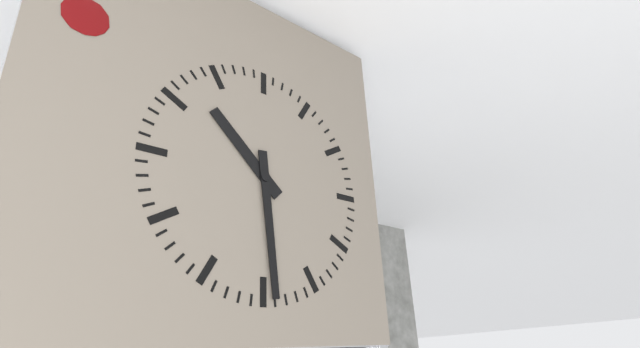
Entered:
10:29
